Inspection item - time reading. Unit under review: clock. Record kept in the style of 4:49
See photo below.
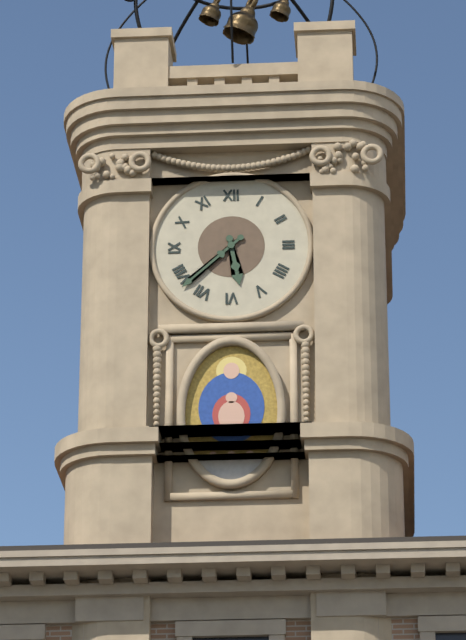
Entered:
5:38
